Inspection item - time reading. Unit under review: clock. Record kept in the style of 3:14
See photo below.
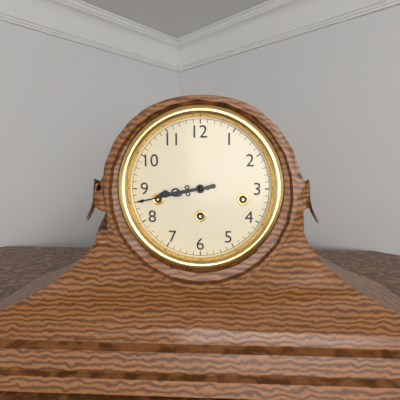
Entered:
8:43
